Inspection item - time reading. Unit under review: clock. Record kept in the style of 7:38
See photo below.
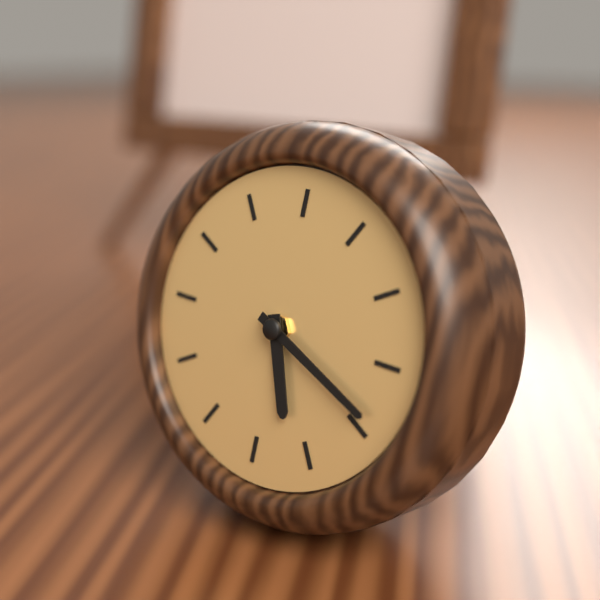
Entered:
5:19
